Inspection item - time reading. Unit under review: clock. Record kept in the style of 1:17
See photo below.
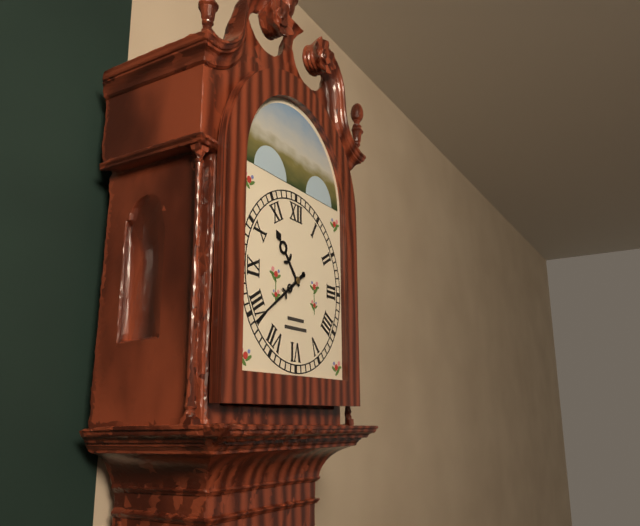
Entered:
10:39
